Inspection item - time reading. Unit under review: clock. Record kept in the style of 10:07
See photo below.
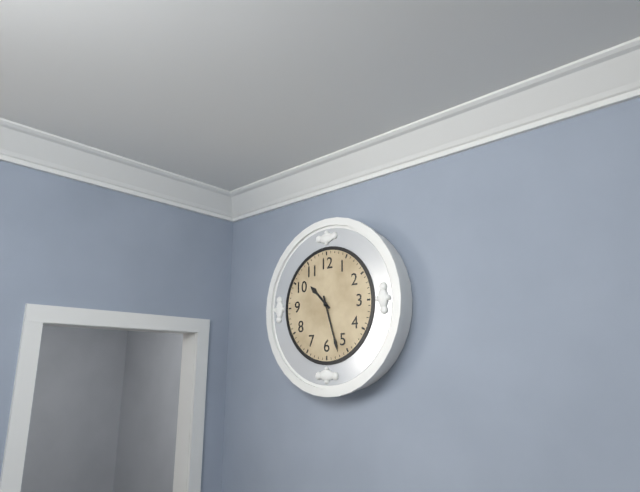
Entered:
10:27
